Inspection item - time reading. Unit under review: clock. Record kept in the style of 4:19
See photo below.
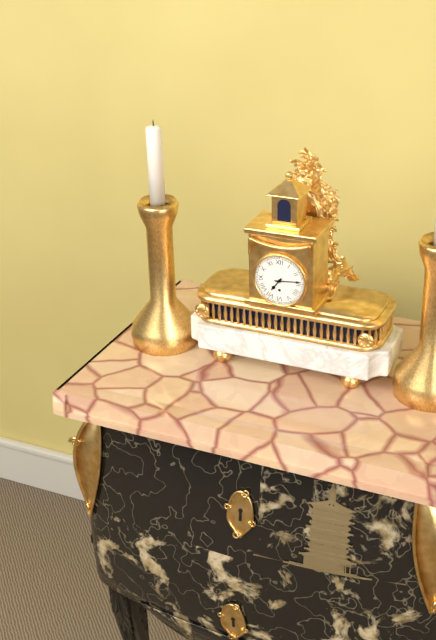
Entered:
7:14
